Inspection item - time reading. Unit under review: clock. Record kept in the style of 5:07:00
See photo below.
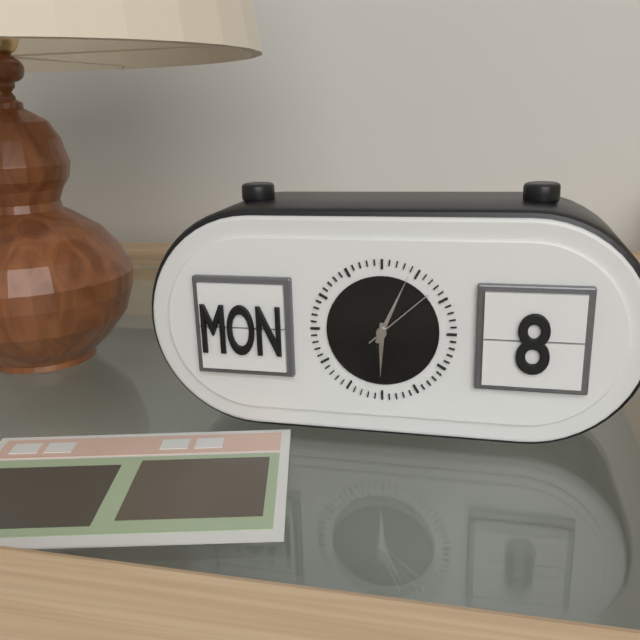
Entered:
6:04:08
